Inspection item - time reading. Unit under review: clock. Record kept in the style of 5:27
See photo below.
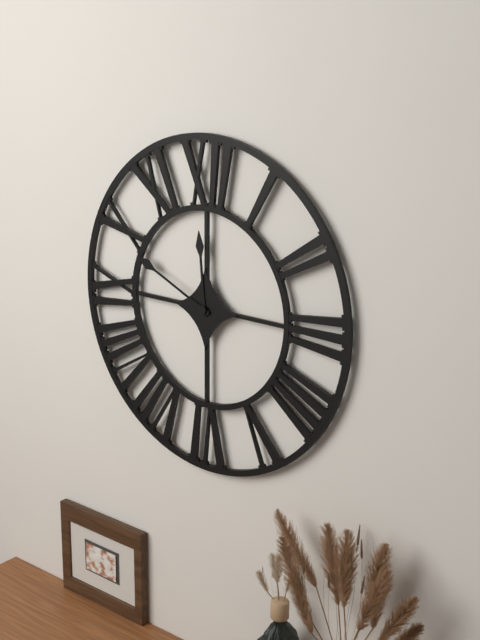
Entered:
11:49
